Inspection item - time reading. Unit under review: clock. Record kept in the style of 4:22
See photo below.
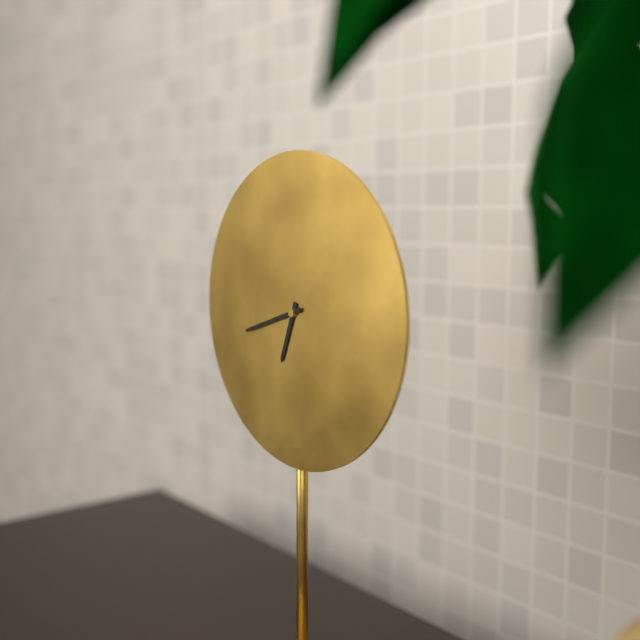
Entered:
6:42
